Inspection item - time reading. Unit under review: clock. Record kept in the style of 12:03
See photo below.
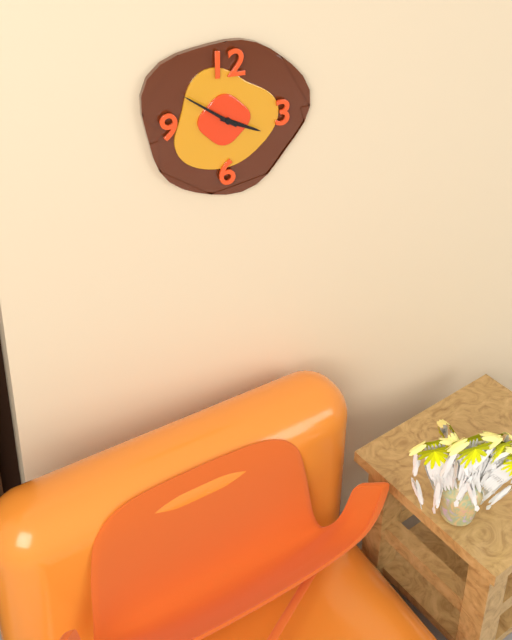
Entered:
3:51
